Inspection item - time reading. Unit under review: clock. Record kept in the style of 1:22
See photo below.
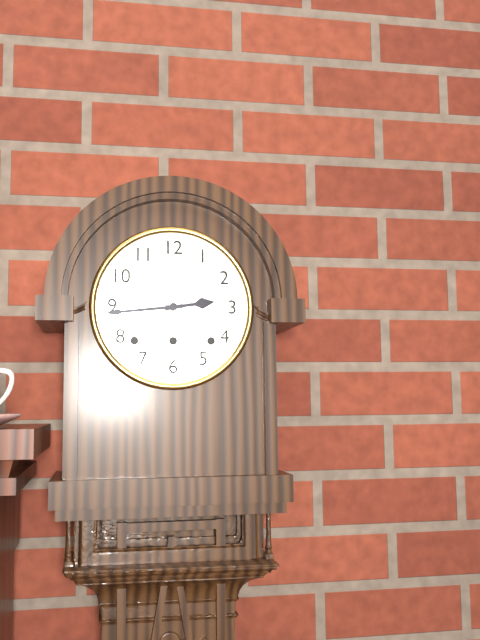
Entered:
2:44
